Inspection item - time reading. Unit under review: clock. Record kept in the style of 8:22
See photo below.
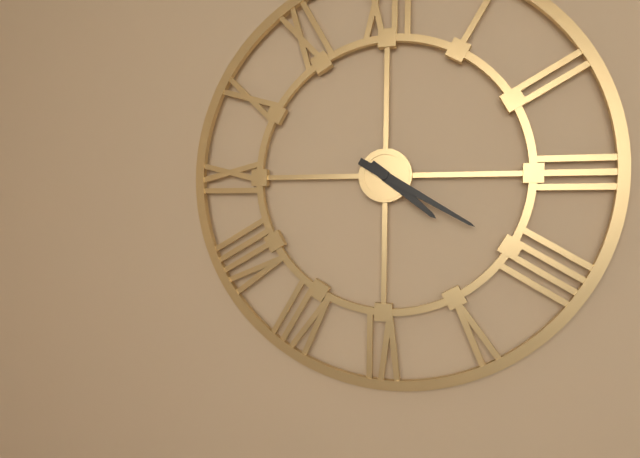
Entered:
4:20
